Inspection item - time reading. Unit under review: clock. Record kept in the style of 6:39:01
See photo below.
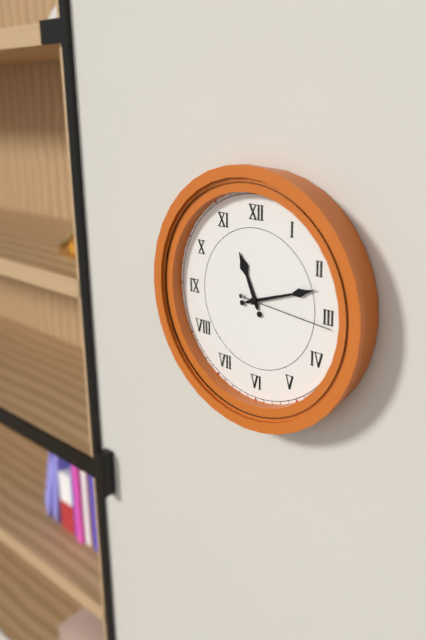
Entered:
11:12:16
